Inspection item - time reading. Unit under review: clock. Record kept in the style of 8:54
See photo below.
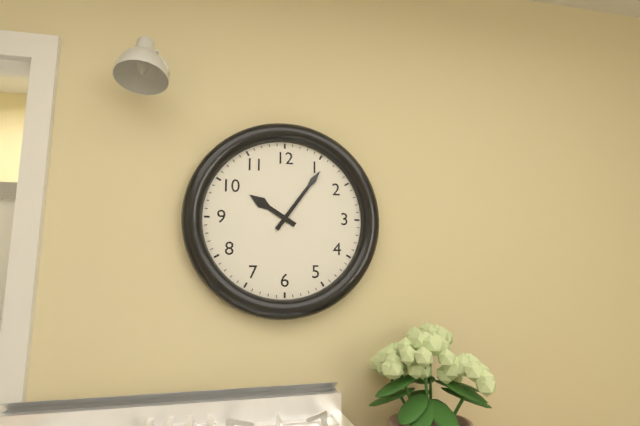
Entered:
10:06
